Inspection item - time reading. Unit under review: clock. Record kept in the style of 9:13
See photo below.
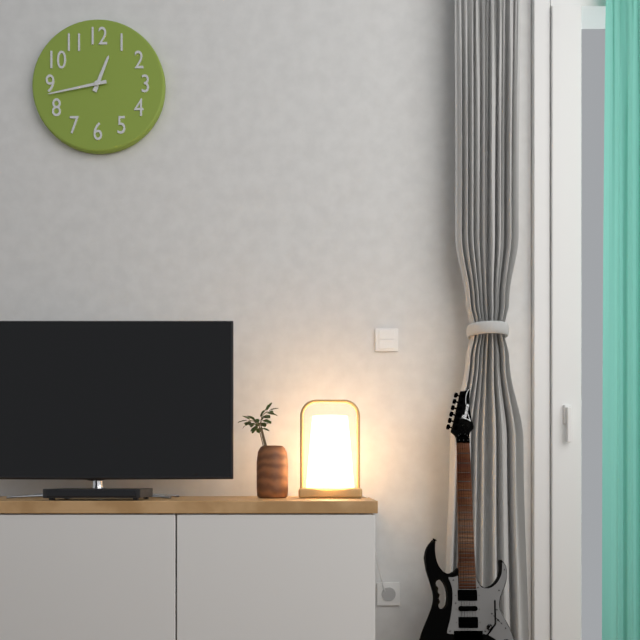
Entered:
12:43
